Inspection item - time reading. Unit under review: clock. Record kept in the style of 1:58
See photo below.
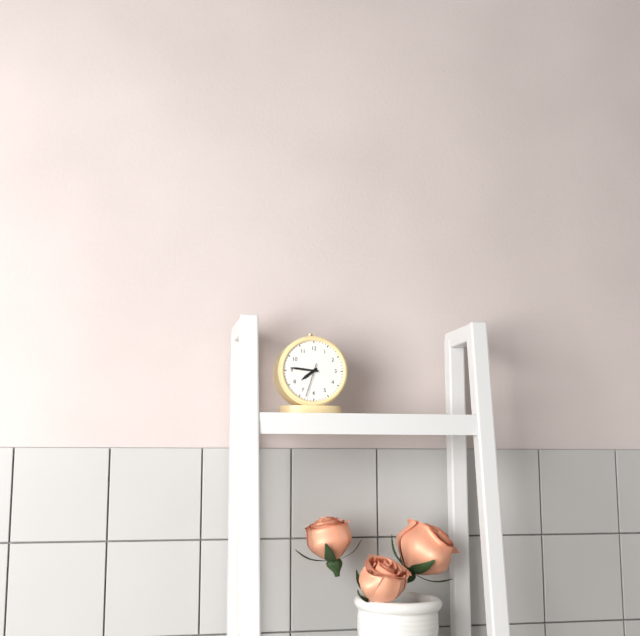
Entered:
7:46
